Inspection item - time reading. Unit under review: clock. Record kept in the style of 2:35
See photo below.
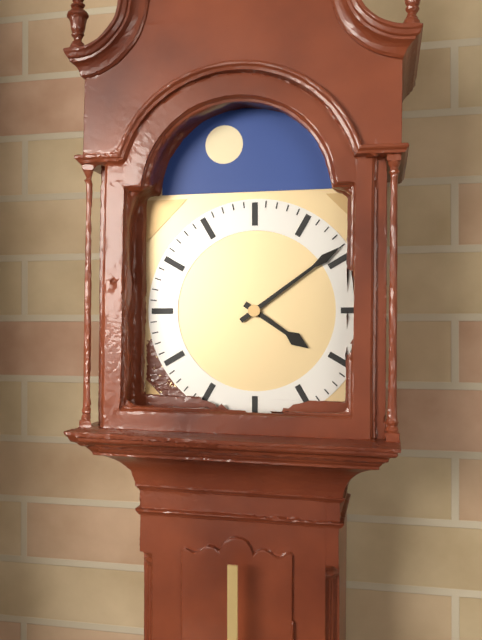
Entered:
4:09
